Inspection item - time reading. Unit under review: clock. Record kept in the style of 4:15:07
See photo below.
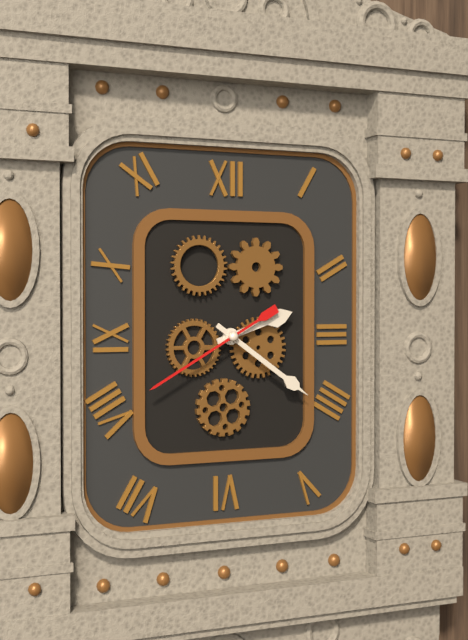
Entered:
2:21:40
